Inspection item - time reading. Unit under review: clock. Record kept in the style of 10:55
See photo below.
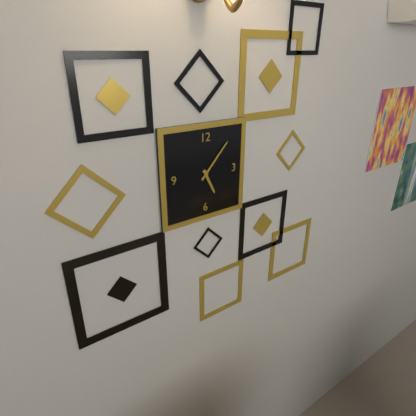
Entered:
5:07
